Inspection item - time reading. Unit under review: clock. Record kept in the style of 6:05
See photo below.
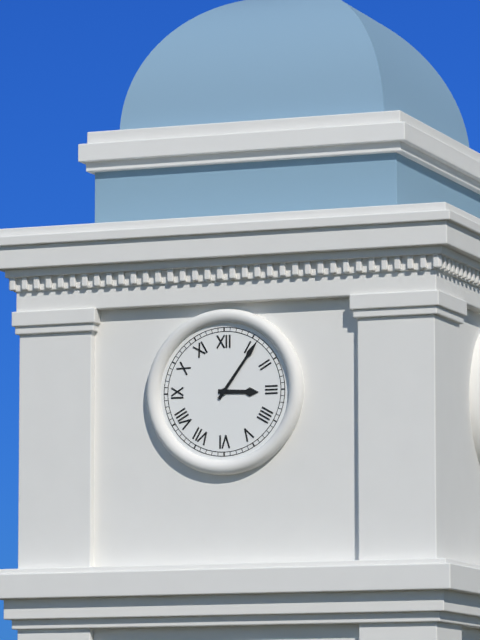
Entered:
3:06
